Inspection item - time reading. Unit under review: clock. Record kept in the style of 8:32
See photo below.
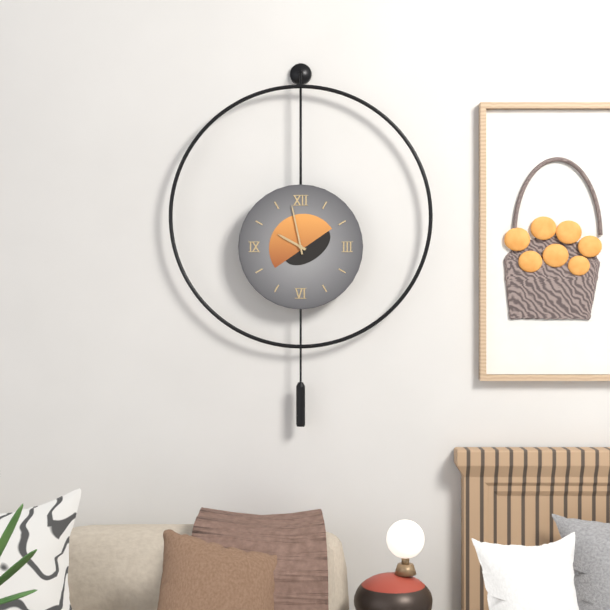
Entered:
9:58
